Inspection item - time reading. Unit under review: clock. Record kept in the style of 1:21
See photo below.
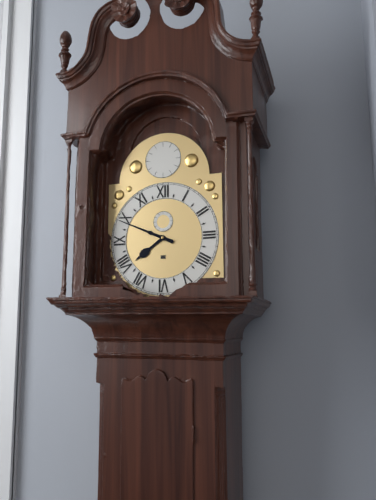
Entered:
7:49
